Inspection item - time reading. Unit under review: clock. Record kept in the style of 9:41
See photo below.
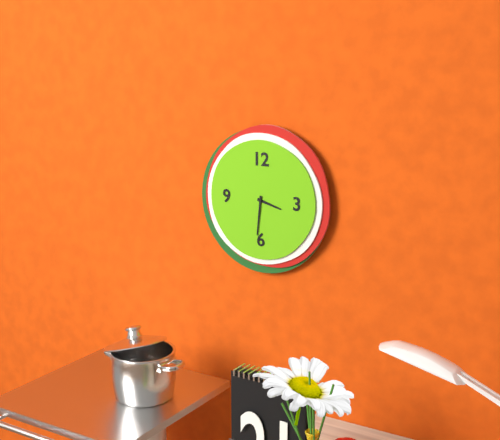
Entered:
3:31
